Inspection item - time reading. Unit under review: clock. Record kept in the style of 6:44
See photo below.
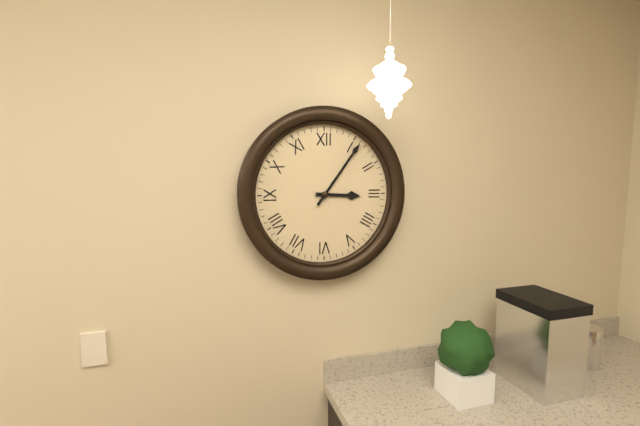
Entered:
3:06
